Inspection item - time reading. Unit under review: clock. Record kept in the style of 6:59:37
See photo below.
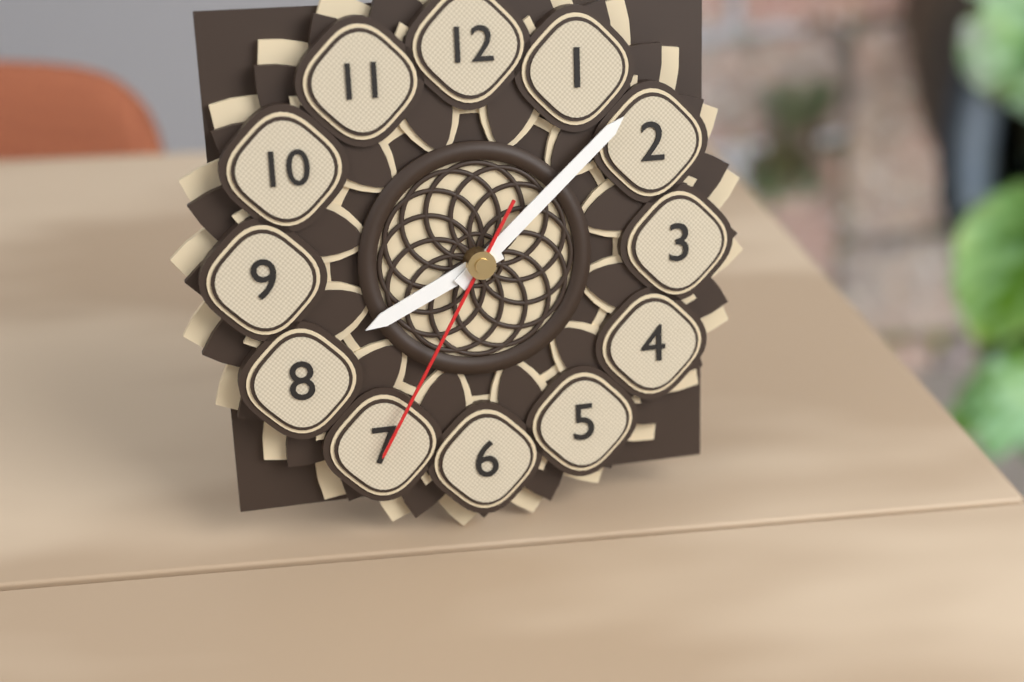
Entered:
8:08:35
